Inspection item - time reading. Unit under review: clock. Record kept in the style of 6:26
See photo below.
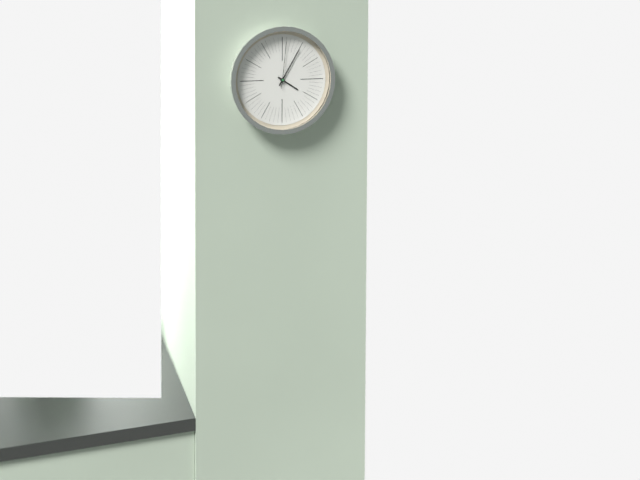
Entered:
4:05
